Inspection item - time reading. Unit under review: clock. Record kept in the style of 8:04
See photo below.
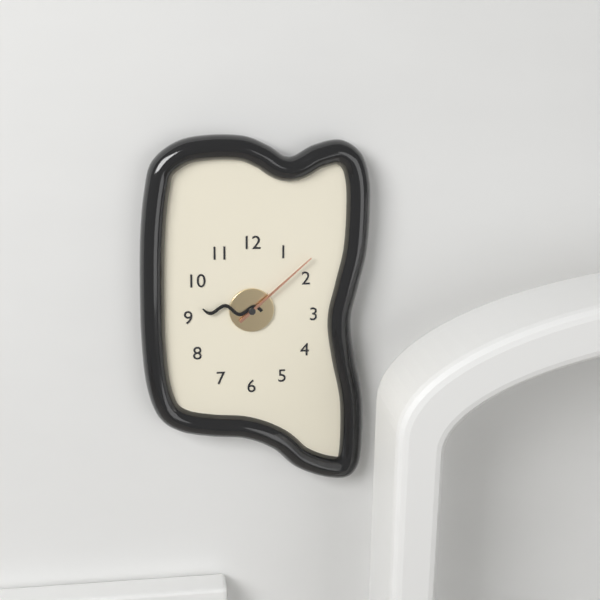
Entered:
9:08
